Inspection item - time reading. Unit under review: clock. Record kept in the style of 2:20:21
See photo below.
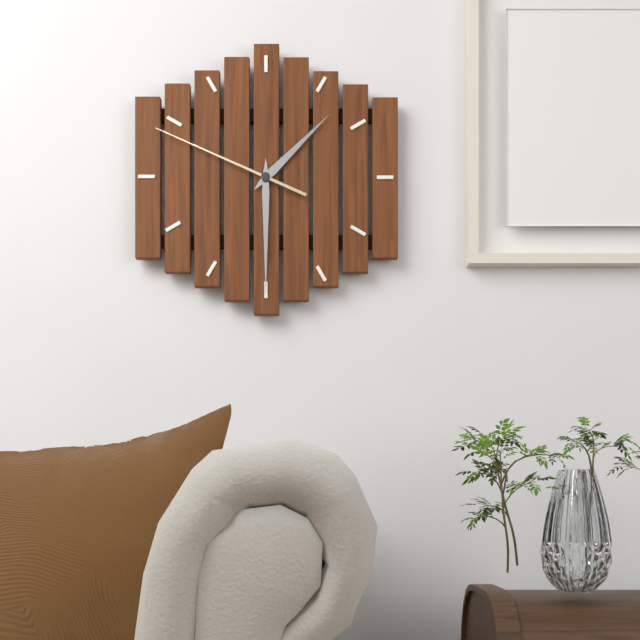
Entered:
1:30:49
